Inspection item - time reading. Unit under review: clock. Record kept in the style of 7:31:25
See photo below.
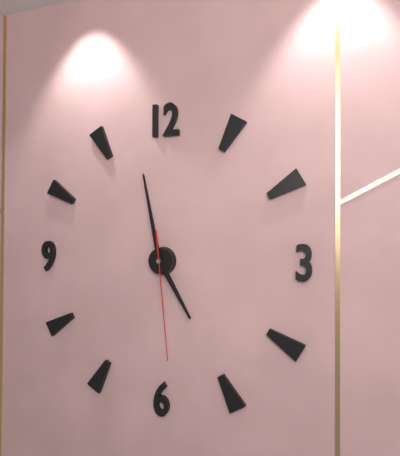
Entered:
4:58:29
